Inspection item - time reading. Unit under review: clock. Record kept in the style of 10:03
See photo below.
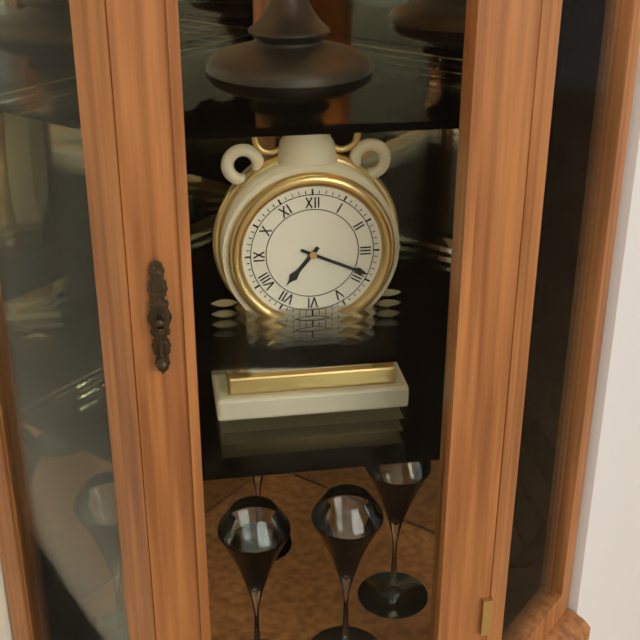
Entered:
7:19
